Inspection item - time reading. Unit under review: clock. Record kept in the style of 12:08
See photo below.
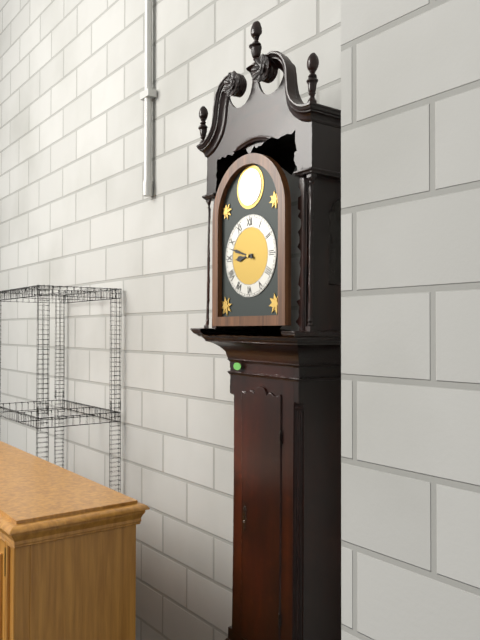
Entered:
8:48
